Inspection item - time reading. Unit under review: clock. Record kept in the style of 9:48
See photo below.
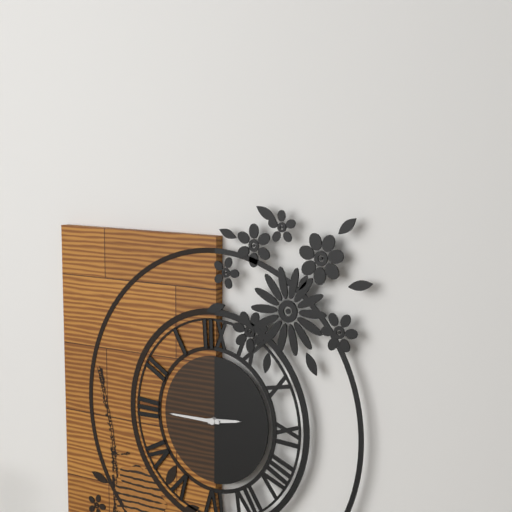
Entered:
2:45
